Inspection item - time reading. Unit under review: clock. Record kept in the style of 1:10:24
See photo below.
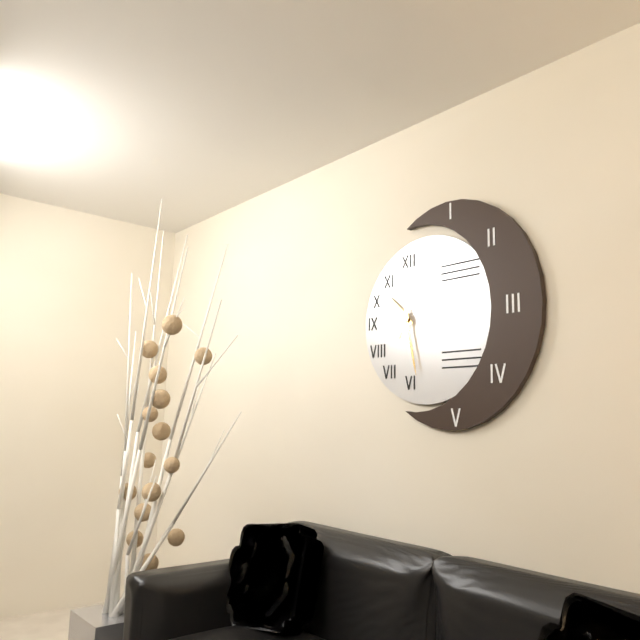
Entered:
10:28:04
